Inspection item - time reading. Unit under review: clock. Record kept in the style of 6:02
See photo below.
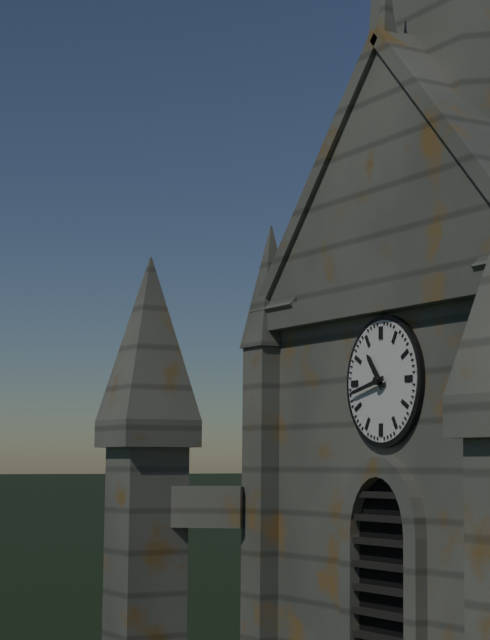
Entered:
10:43
